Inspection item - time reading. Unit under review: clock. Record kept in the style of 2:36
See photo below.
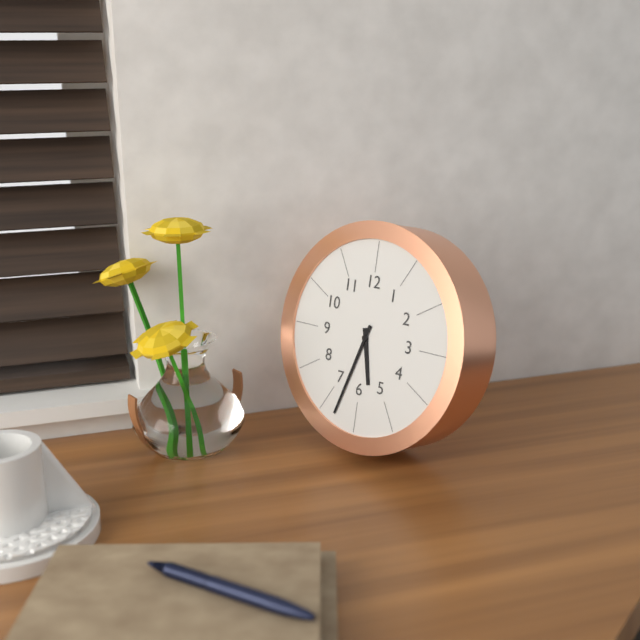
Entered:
5:33
